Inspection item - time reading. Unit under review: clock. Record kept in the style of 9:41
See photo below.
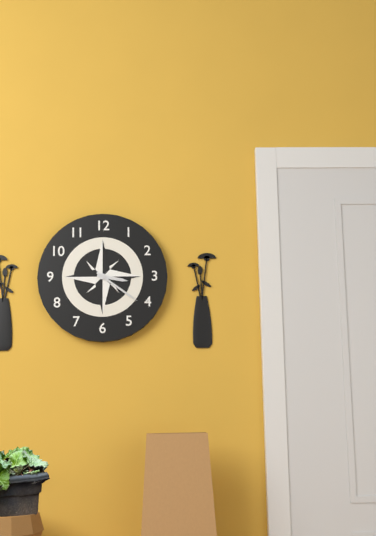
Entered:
3:21
